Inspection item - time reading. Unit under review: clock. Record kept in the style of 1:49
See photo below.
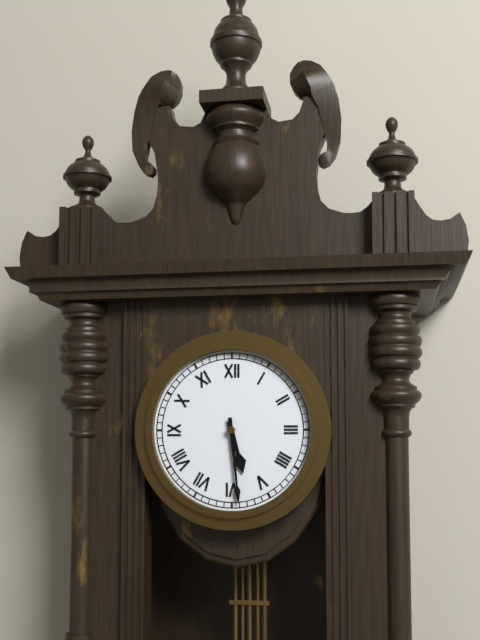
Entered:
5:29
